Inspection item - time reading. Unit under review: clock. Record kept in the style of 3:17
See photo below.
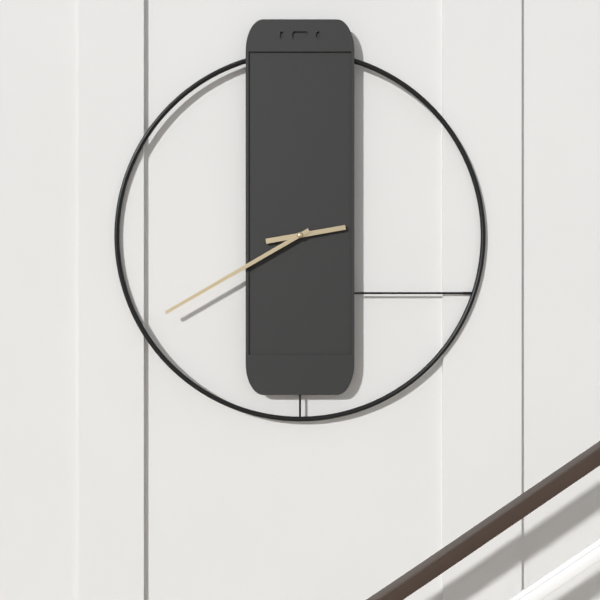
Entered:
2:40
